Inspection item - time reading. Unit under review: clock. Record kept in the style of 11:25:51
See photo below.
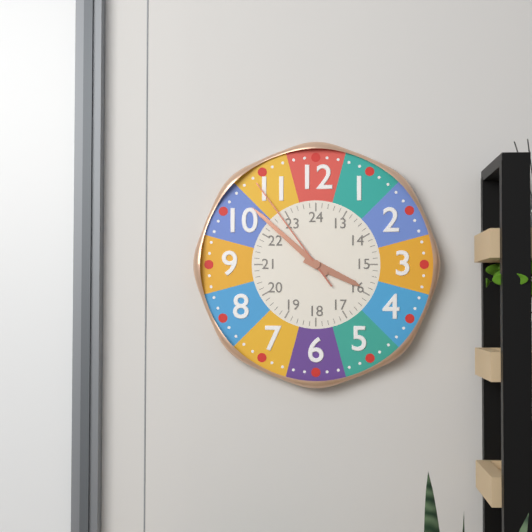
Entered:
3:52:54
